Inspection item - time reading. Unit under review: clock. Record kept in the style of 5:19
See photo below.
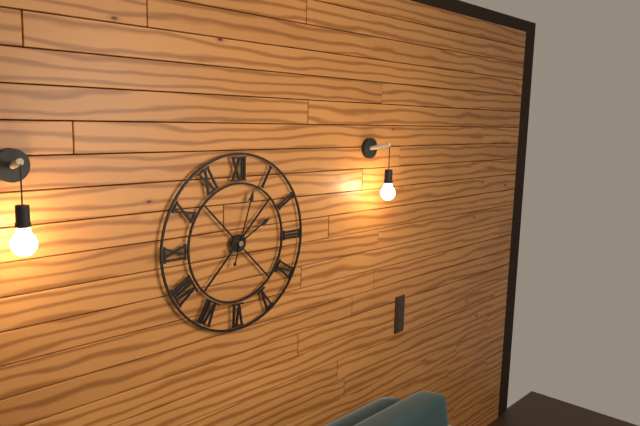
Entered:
2:03
